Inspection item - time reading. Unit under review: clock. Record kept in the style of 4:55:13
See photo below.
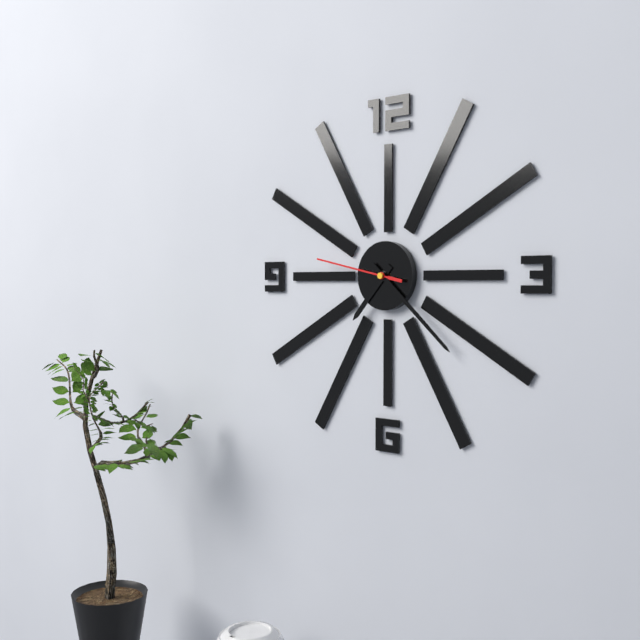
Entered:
7:22:47
